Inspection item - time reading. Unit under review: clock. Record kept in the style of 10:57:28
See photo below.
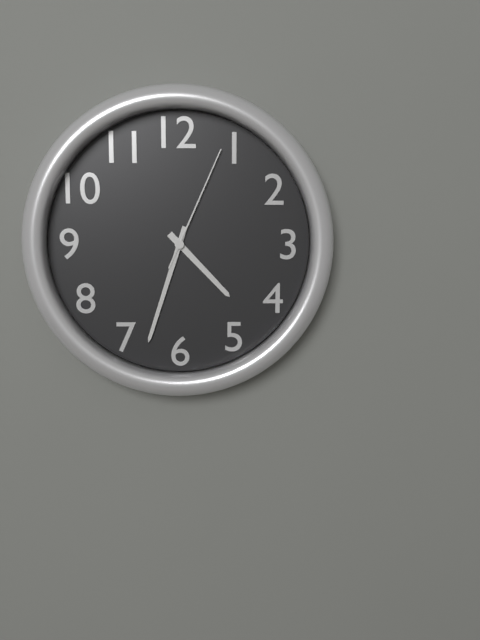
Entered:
4:33:04
